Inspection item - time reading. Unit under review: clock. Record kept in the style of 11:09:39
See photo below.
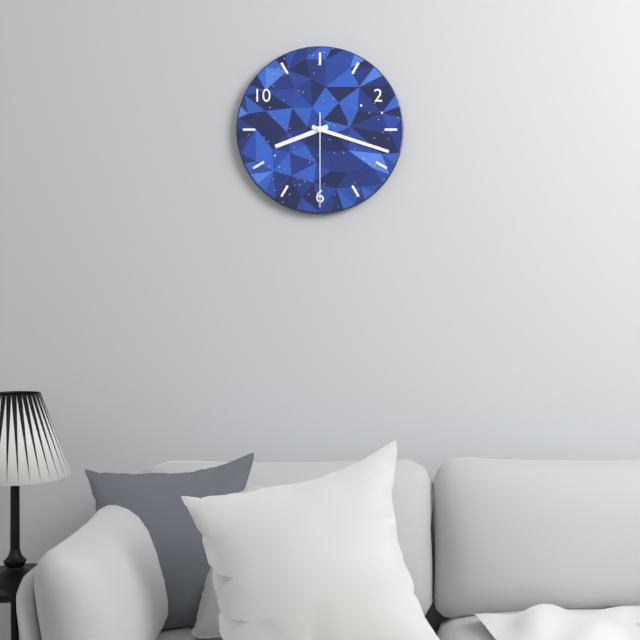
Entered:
8:18:30
